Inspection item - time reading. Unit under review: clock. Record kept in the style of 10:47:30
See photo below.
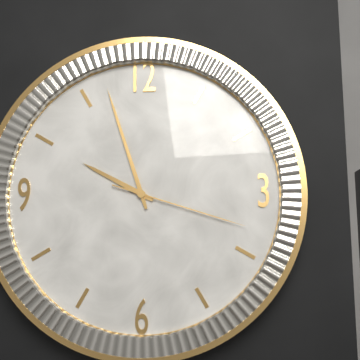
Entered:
9:57:18
